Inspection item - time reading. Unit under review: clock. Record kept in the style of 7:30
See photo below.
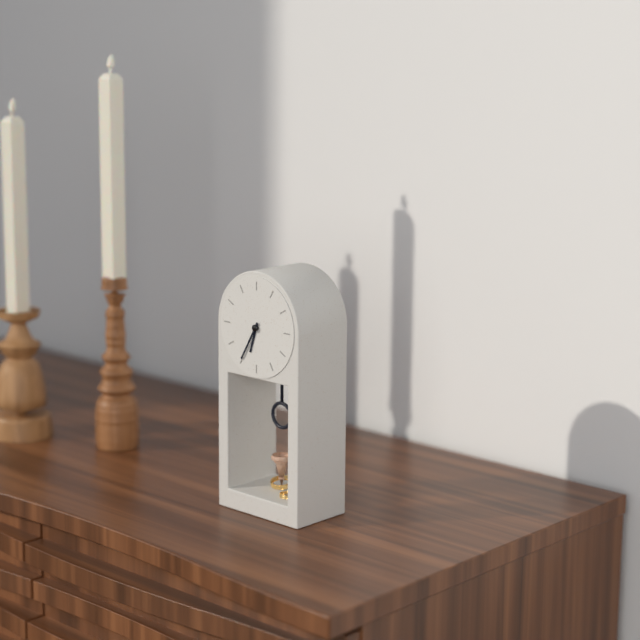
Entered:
6:35
